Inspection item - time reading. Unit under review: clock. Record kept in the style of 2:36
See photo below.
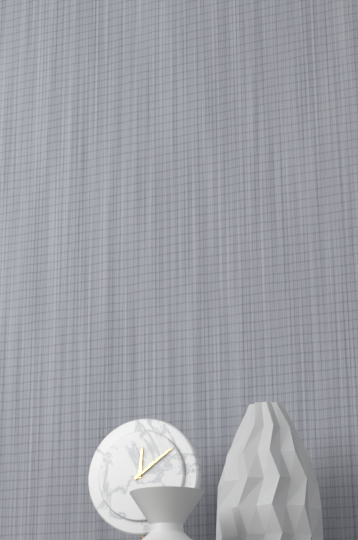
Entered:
12:09
